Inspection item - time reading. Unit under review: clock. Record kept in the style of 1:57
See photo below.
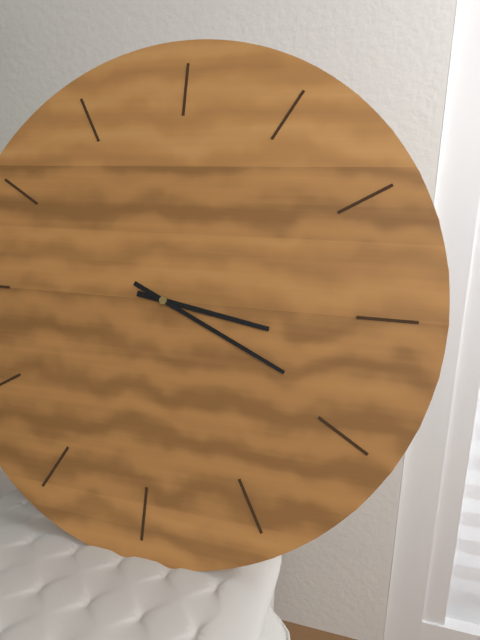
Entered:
3:19
